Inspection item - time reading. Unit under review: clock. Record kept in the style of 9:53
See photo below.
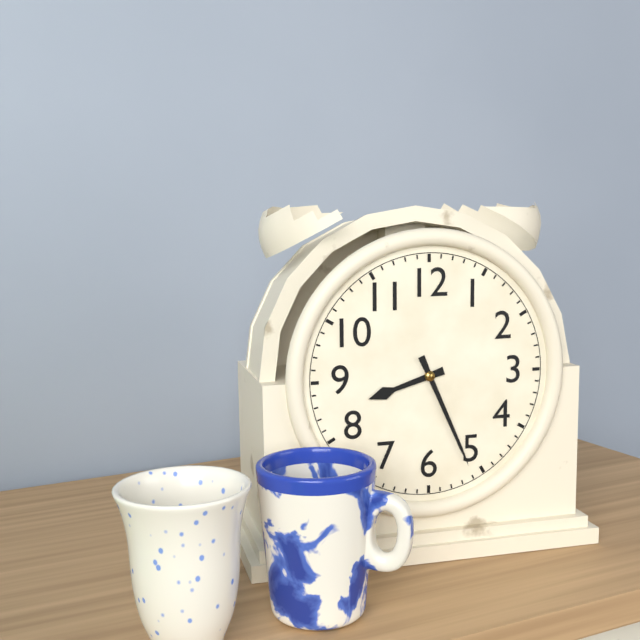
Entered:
8:26
